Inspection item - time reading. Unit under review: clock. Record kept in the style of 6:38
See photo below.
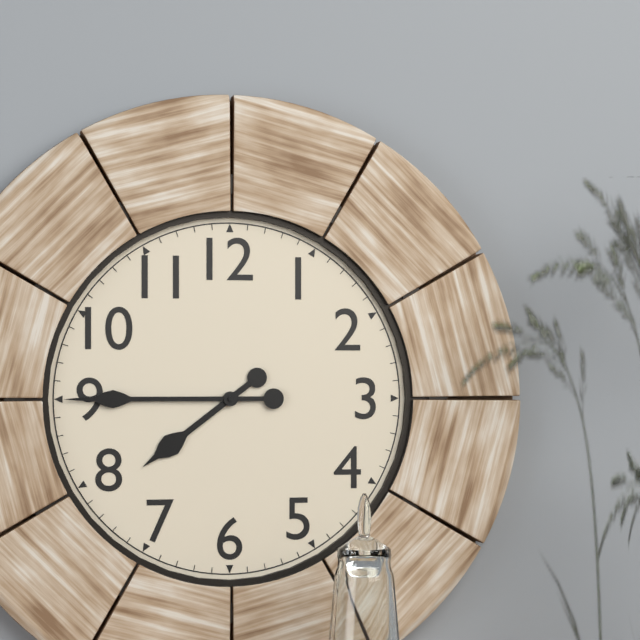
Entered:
7:45
